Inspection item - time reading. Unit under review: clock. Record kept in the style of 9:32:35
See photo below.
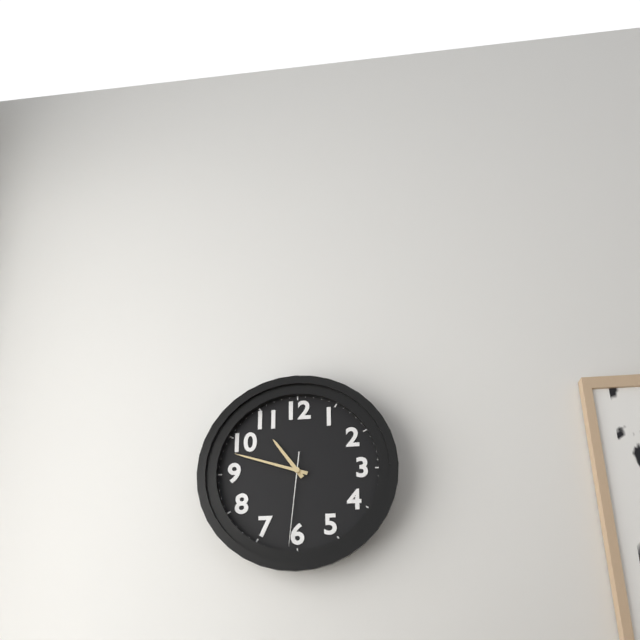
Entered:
10:48:31
